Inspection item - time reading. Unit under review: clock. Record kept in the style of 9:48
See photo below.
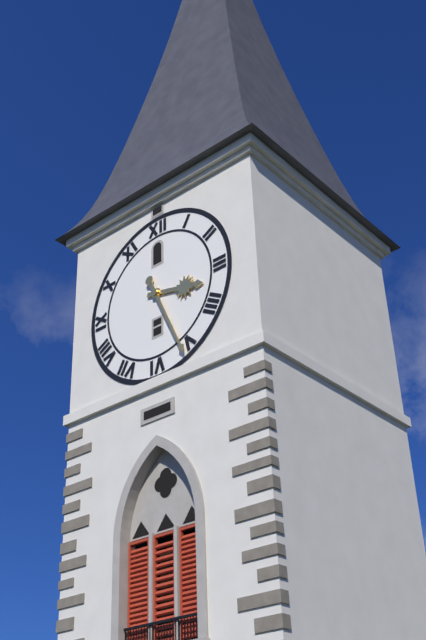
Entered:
3:26
